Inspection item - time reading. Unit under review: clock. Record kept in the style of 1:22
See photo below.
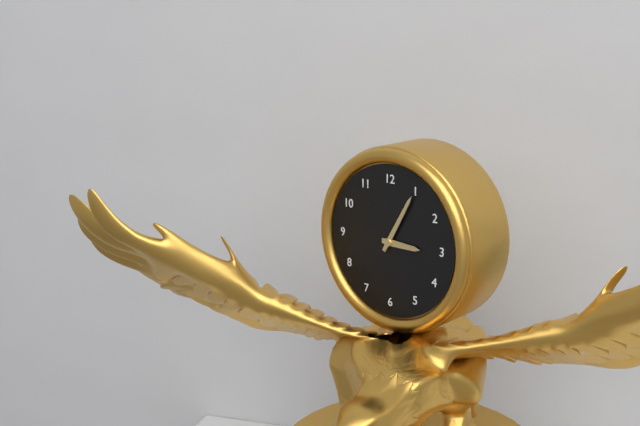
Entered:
3:05
